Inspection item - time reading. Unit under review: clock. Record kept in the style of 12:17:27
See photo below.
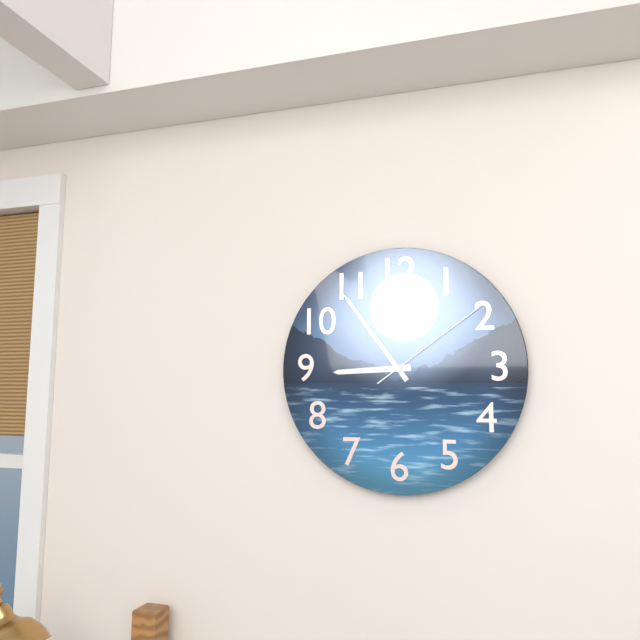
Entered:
8:54:09
